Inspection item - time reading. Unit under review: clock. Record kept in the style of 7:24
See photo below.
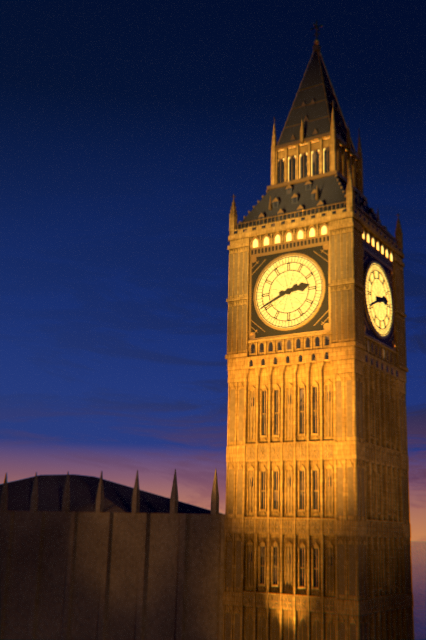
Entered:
2:41
